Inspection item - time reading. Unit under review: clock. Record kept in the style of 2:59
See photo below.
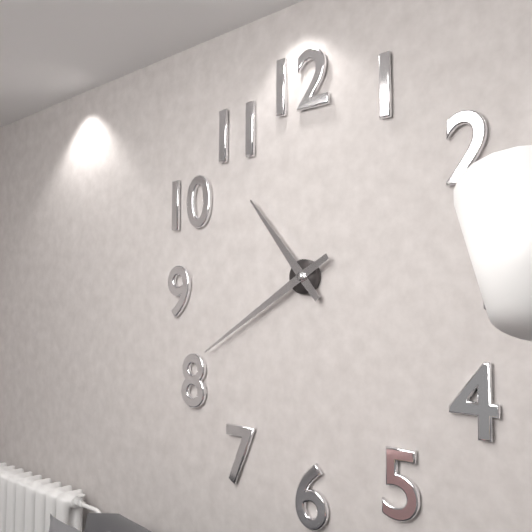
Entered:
10:40
